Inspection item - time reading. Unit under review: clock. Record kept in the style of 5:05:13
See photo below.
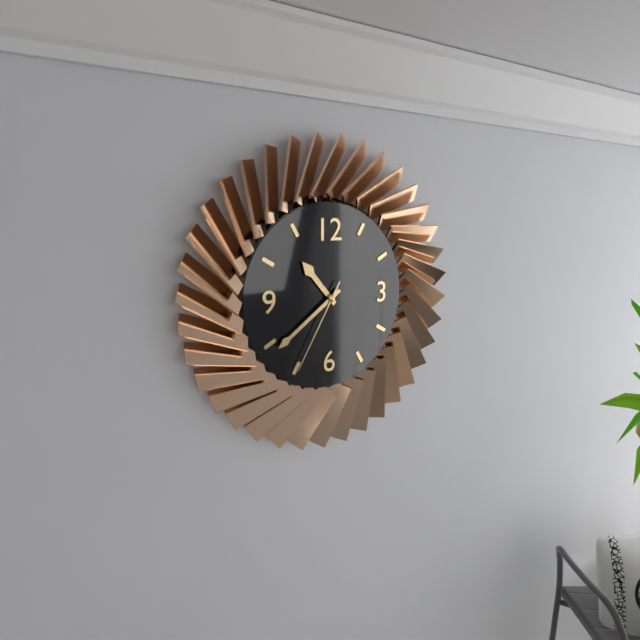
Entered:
10:39:35
